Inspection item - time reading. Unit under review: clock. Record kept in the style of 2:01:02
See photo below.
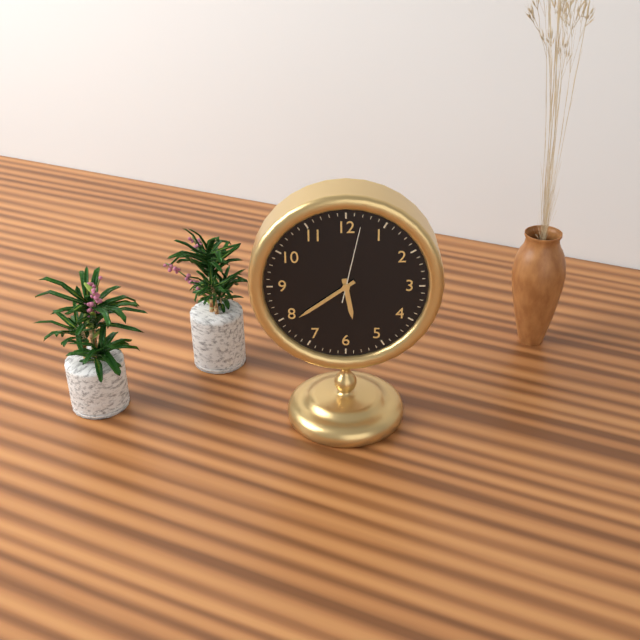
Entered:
5:39:02
